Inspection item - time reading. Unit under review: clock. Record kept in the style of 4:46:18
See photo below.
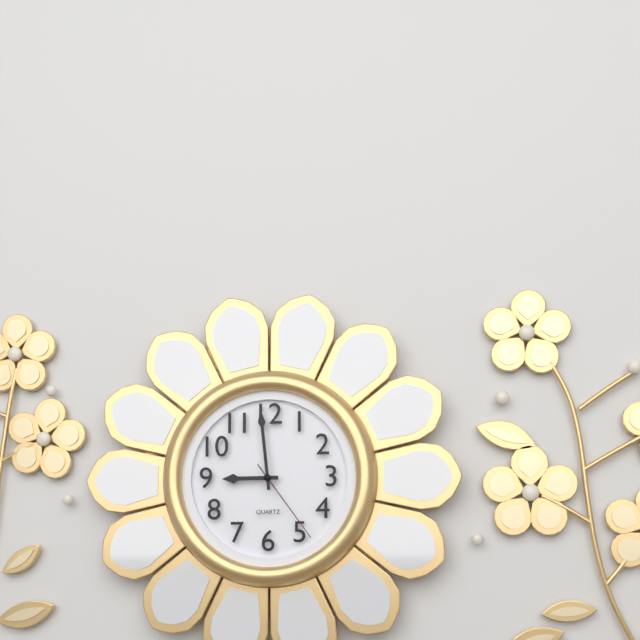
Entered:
8:59:24
